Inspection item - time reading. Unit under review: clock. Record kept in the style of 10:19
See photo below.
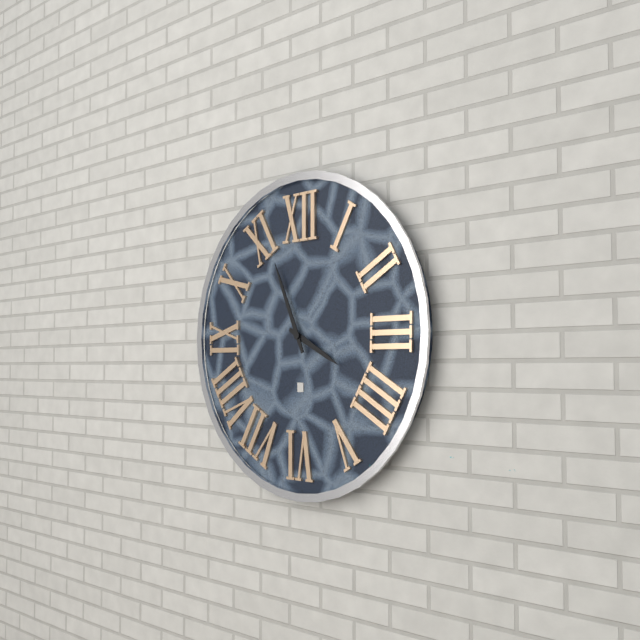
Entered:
3:56
